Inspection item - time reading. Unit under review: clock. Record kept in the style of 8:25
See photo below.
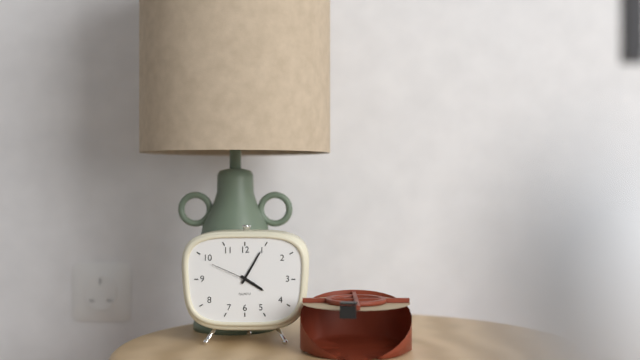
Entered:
4:05
